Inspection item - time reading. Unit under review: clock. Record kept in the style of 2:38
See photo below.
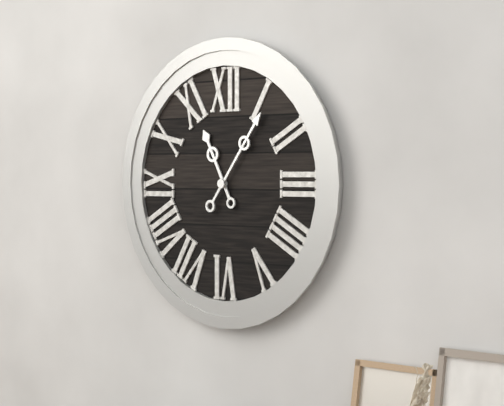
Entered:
11:06
